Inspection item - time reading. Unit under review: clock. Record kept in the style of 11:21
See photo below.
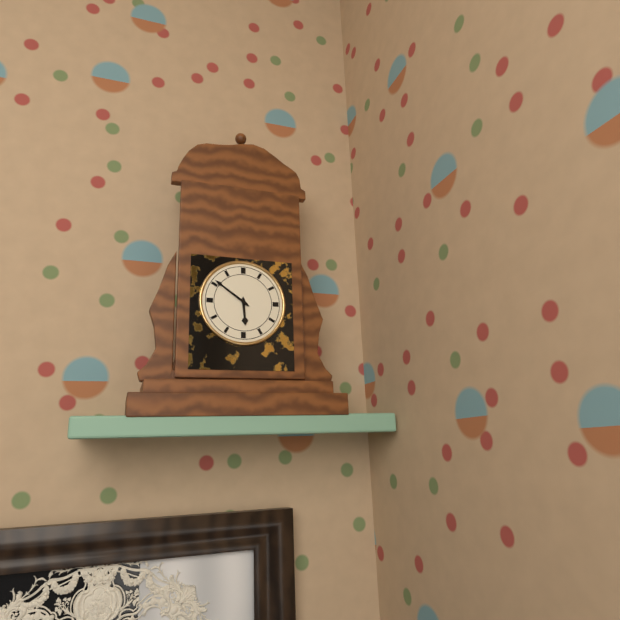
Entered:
5:51
